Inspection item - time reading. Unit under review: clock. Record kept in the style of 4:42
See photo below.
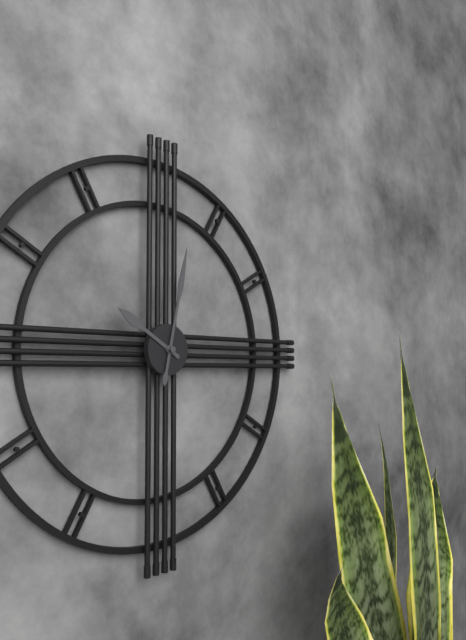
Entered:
10:02
